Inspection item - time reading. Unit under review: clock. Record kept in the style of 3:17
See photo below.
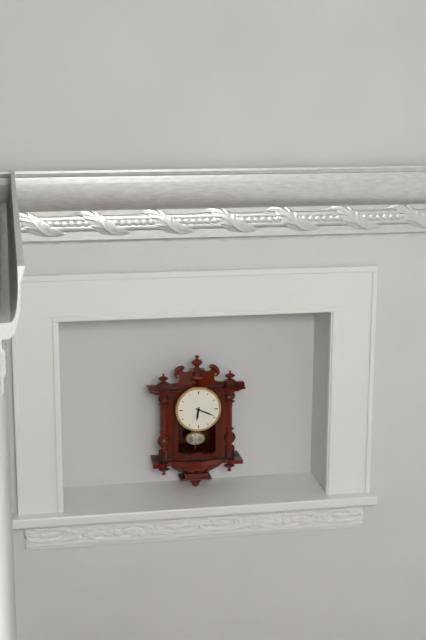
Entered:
6:19
